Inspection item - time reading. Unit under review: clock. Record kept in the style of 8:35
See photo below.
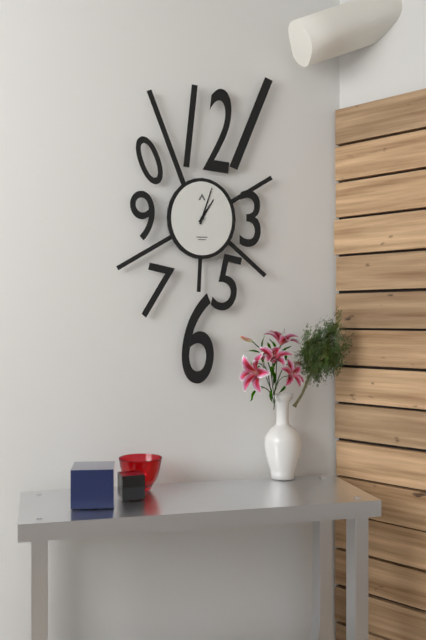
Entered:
1:03
